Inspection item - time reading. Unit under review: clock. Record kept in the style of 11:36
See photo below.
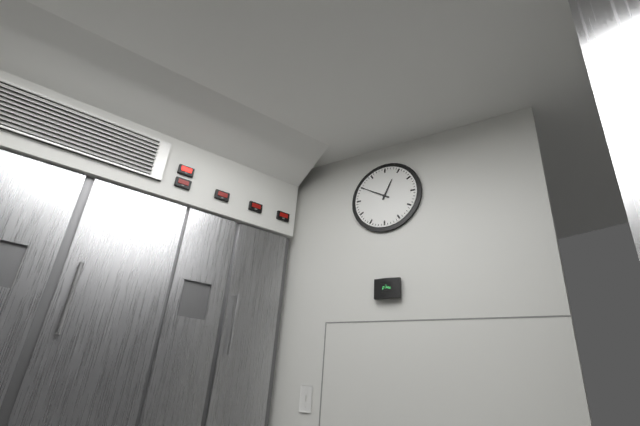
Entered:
12:50
